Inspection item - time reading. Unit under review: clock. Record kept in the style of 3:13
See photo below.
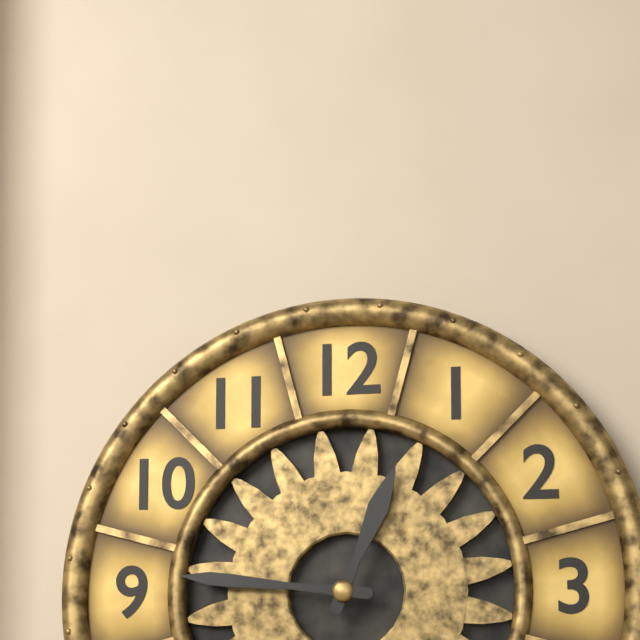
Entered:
12:46
